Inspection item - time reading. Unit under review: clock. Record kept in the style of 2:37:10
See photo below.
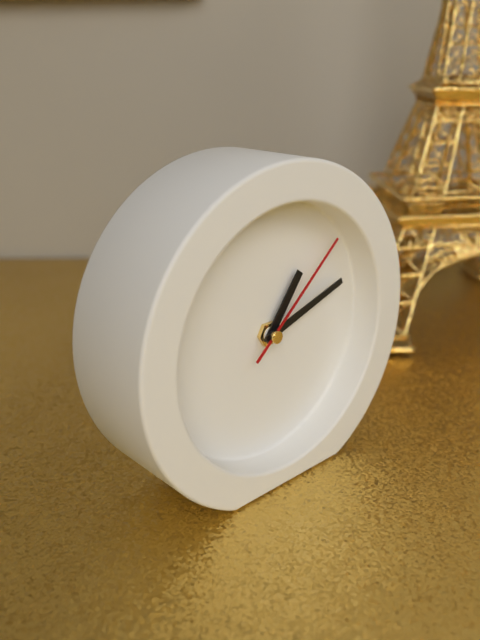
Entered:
1:12:08
